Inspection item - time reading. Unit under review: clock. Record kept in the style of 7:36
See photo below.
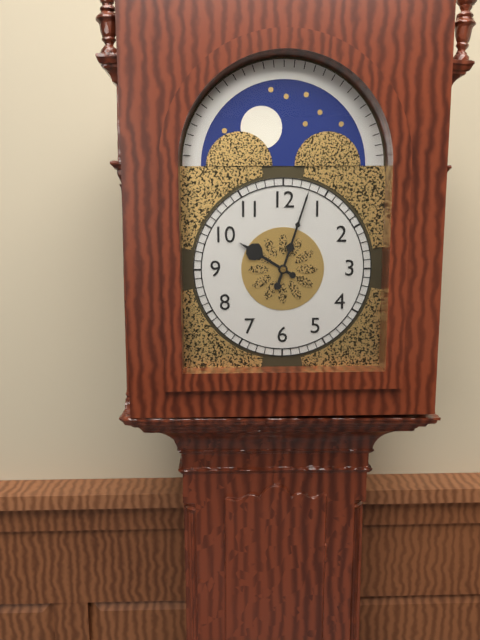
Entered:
10:03
